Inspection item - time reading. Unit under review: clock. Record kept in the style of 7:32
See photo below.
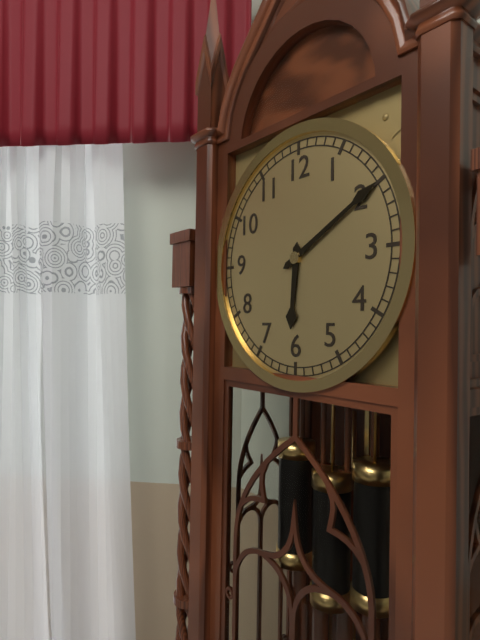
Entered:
6:10
